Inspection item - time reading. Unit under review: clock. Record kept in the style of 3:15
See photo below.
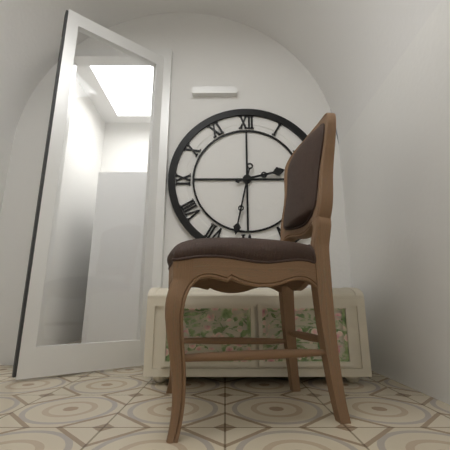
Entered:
2:32
